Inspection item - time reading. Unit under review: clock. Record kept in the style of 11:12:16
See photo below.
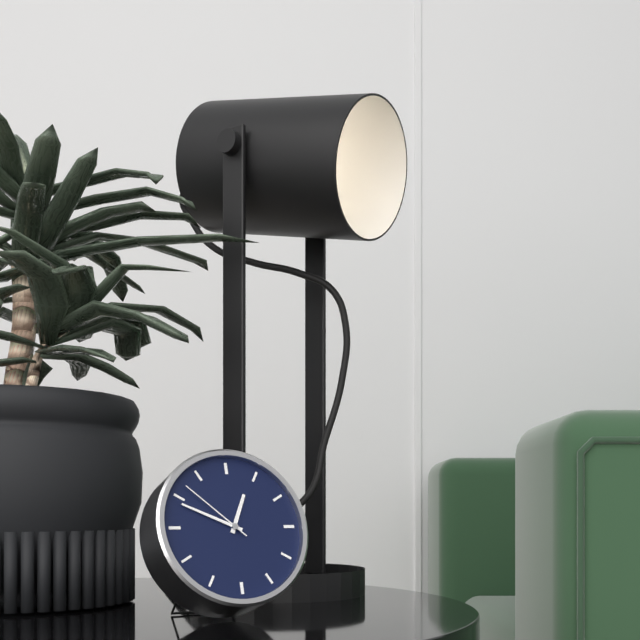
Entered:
12:49:52
